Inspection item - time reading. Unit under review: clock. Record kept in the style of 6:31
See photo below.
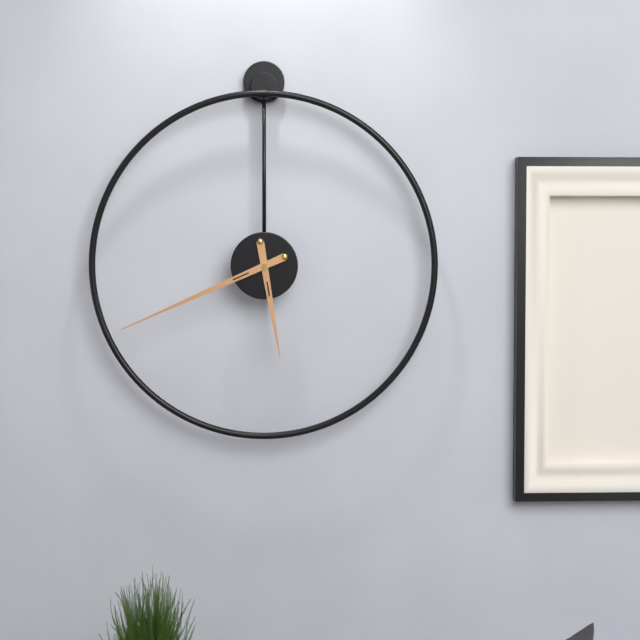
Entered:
5:41
